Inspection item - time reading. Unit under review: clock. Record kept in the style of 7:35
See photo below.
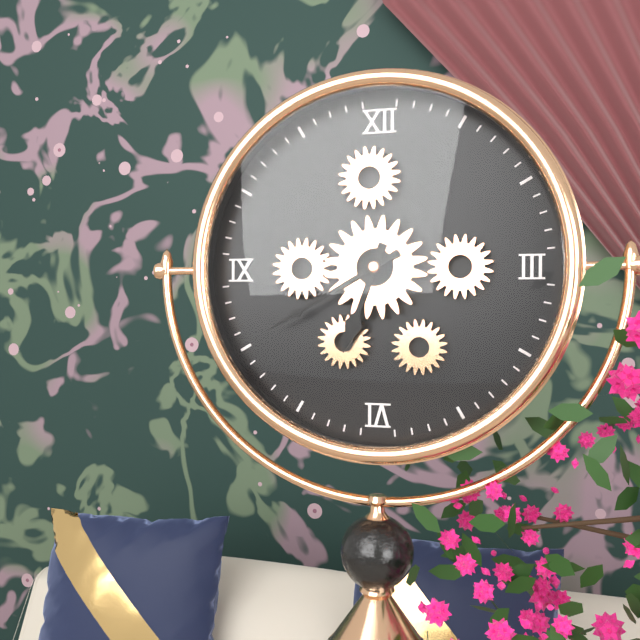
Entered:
6:40
